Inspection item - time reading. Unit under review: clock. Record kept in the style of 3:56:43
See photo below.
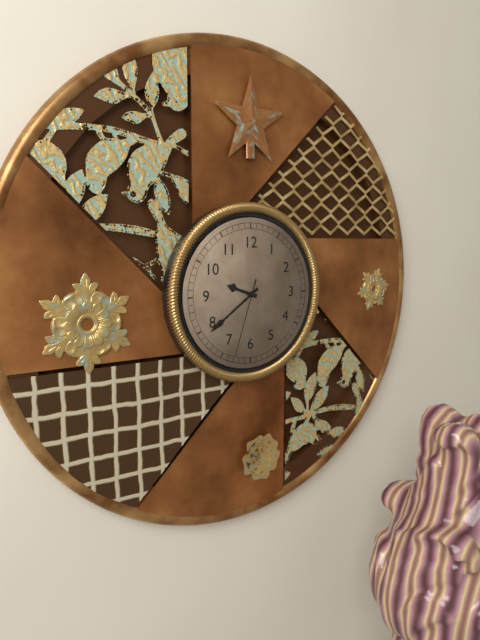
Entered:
9:39:33
